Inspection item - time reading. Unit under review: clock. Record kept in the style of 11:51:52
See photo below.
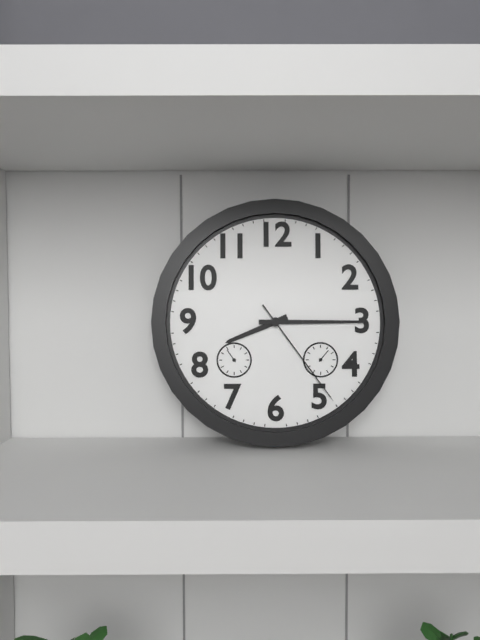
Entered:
8:15:24
